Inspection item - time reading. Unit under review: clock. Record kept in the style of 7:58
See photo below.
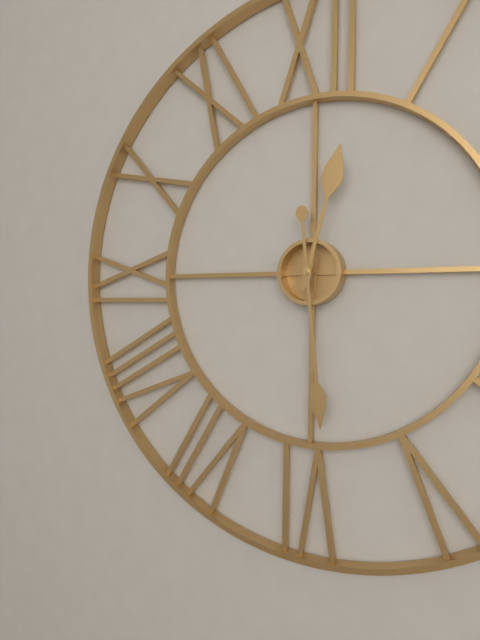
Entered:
12:29
